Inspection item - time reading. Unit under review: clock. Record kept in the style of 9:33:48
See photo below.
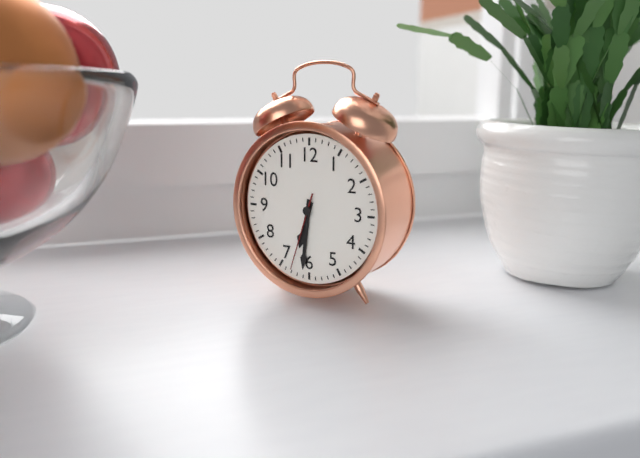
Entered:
6:31:33
